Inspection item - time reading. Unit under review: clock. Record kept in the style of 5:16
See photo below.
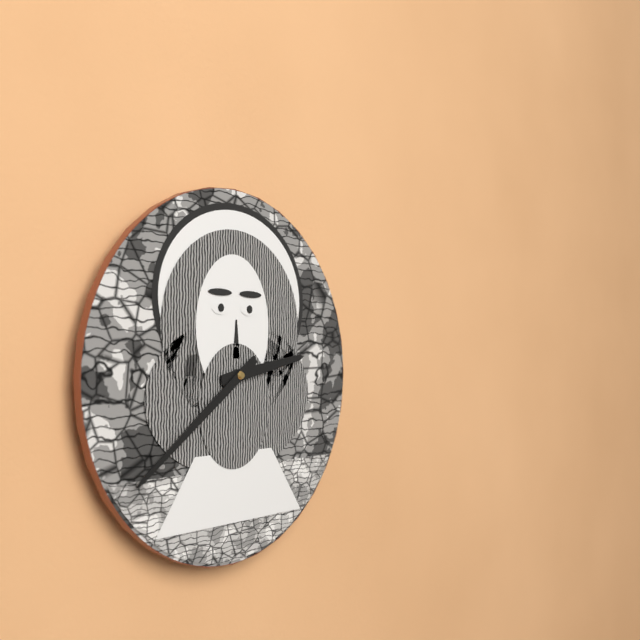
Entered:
2:39
